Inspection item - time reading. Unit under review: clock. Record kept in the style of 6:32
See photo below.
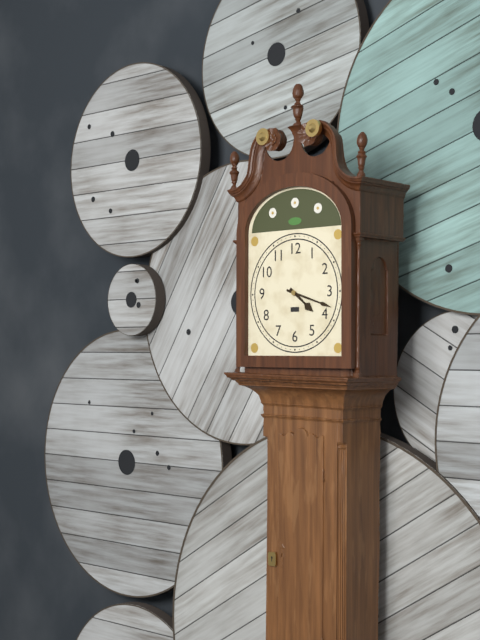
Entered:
4:18
